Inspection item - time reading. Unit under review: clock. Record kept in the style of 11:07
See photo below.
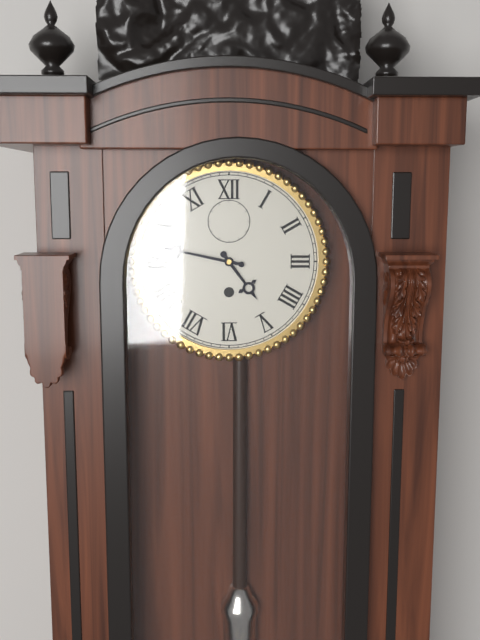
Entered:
4:47
